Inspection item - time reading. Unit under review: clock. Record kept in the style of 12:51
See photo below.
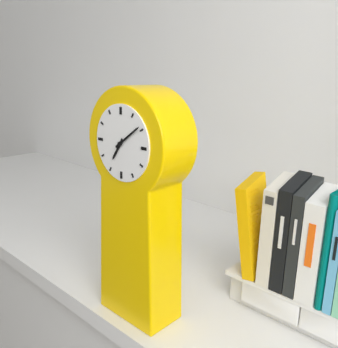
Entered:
7:09
